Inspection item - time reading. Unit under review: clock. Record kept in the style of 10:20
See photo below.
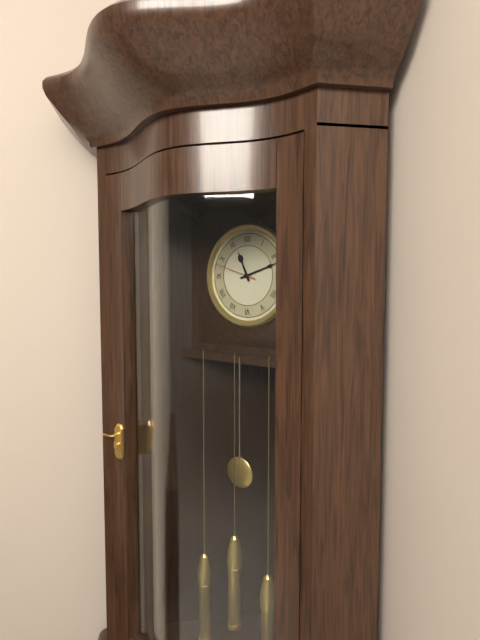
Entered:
11:12
